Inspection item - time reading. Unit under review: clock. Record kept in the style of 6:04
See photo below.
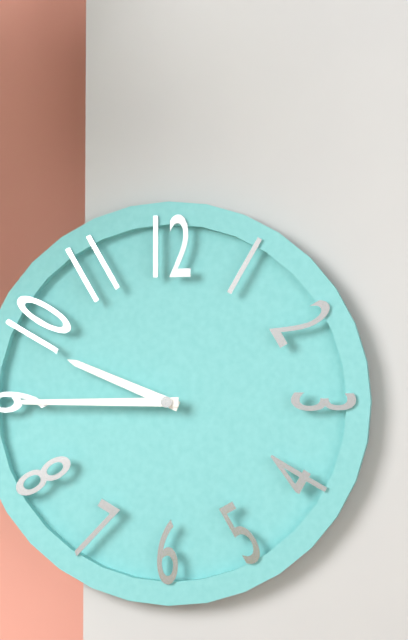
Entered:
9:45
